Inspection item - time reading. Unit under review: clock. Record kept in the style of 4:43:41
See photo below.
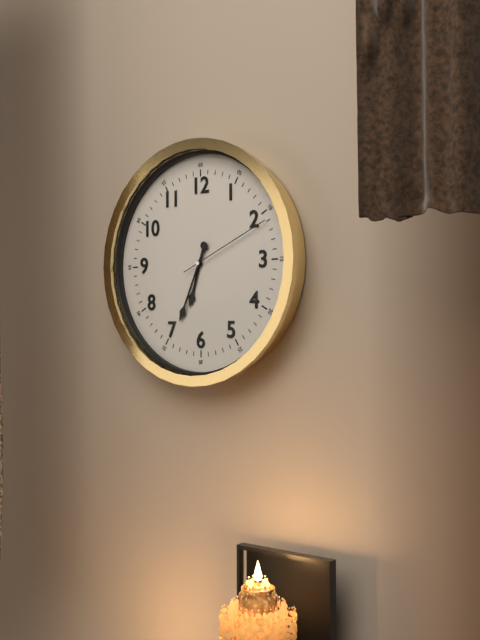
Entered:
6:34:11
